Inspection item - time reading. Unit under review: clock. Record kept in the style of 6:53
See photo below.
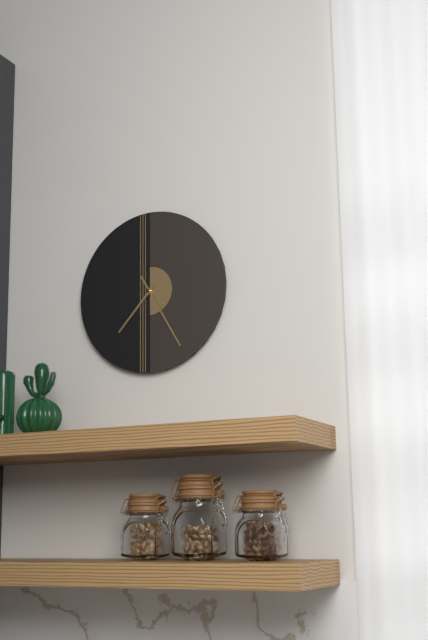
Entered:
7:25
